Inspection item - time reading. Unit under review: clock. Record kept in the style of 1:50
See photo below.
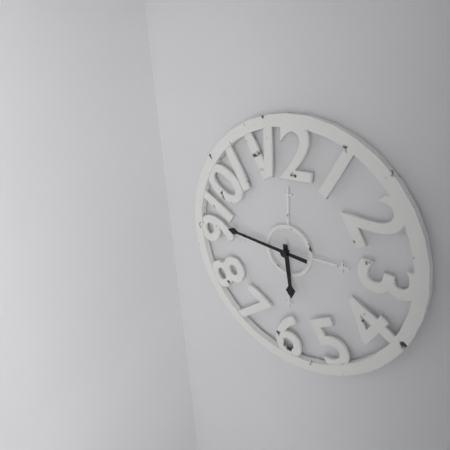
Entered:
5:46
